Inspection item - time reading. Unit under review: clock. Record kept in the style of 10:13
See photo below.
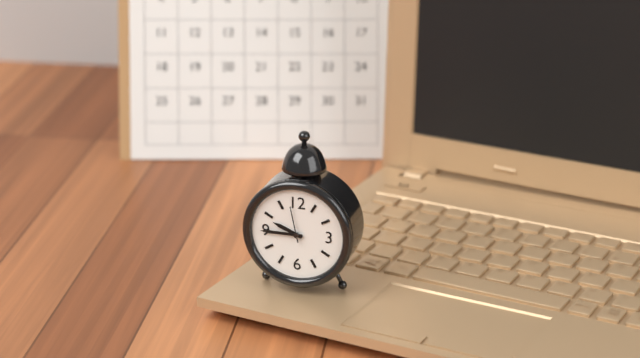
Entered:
9:45
